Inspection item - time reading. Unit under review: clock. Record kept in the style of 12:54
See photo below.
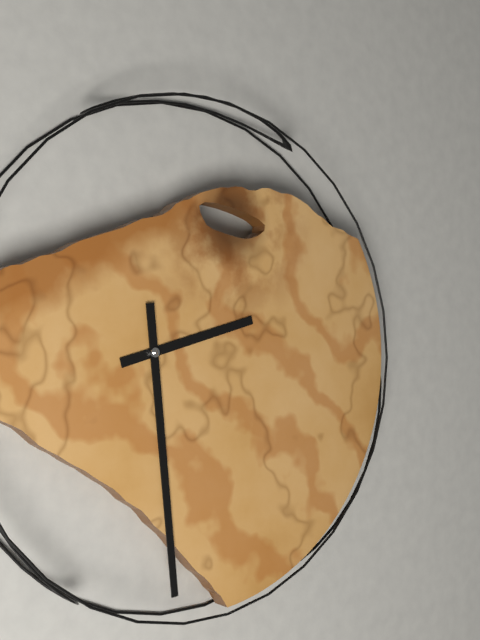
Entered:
2:29
